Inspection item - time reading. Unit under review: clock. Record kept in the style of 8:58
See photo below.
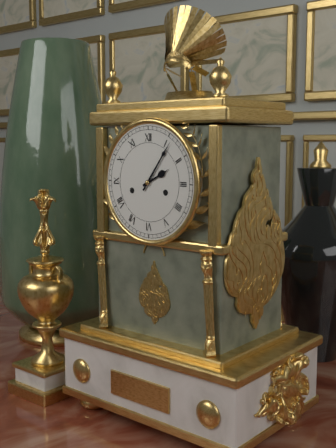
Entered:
2:06
